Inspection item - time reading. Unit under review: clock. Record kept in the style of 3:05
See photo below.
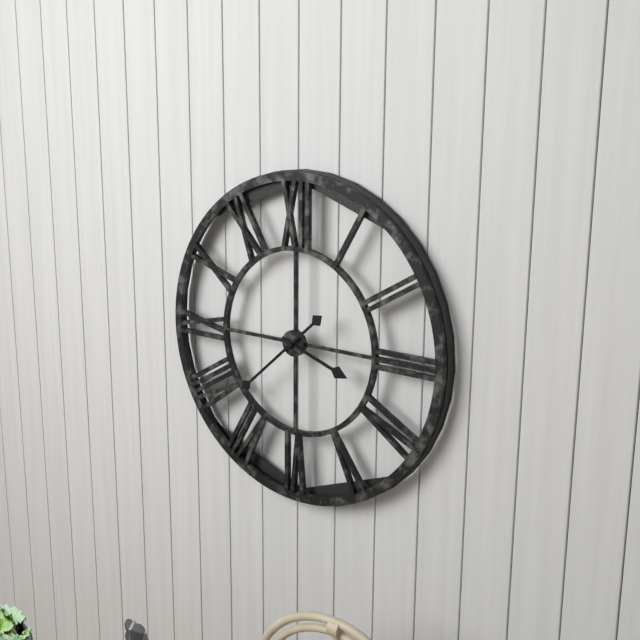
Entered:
3:38
